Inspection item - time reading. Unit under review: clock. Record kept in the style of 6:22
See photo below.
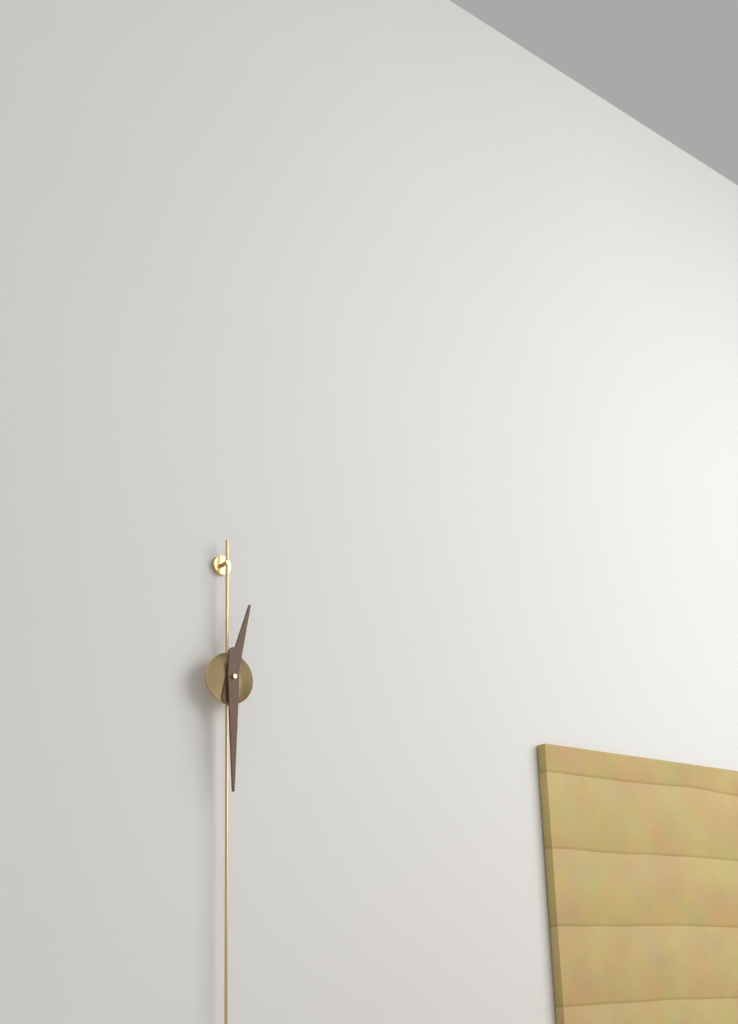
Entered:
12:30
